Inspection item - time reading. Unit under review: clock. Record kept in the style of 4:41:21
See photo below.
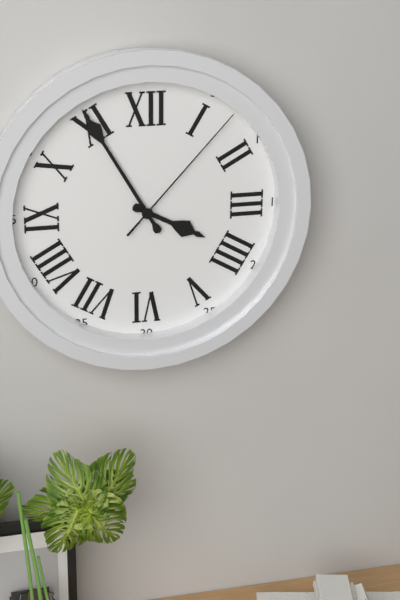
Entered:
3:55:07
